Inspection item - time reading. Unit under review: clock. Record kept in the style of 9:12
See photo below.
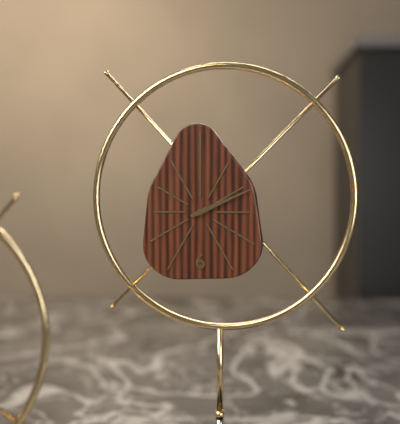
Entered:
2:11
